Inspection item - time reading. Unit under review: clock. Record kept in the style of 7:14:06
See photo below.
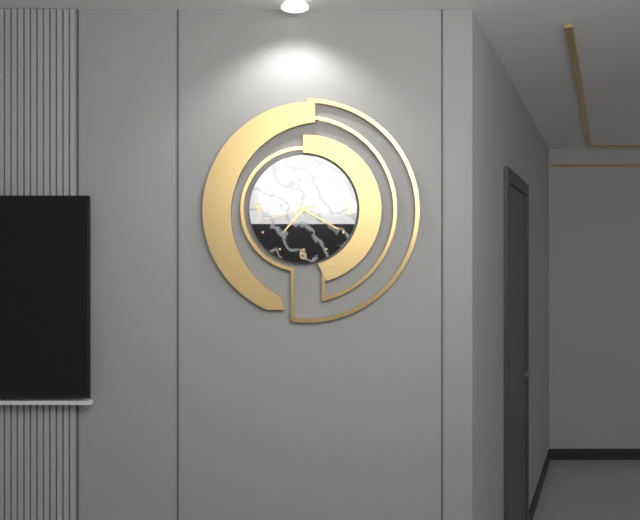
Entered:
7:20:42
